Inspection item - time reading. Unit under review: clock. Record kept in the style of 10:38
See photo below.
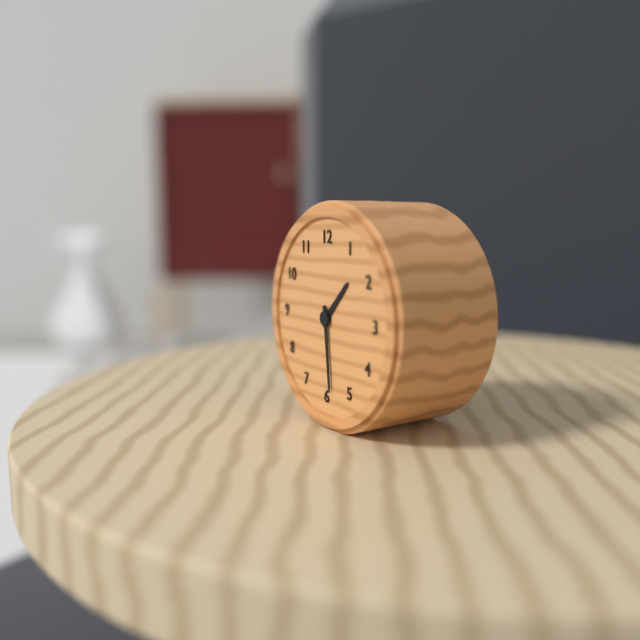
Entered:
1:29
